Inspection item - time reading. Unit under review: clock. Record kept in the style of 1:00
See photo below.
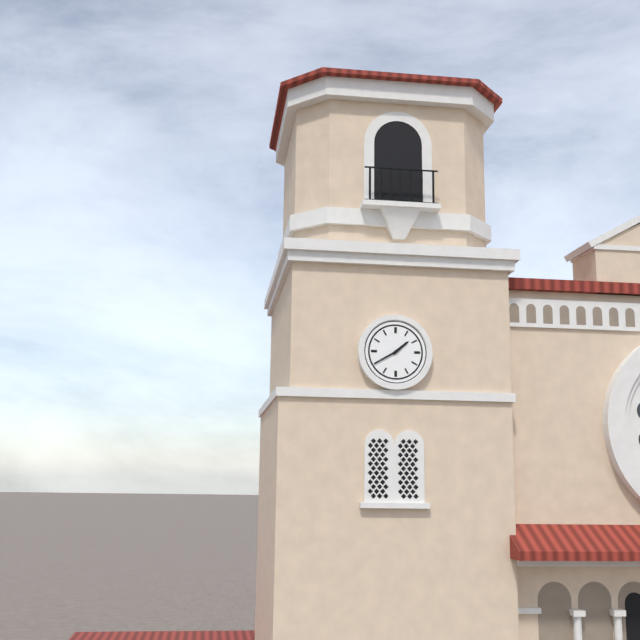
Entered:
1:40
